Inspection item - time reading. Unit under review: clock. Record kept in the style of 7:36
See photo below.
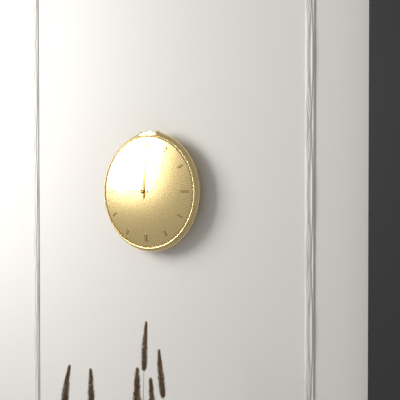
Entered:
9:00
